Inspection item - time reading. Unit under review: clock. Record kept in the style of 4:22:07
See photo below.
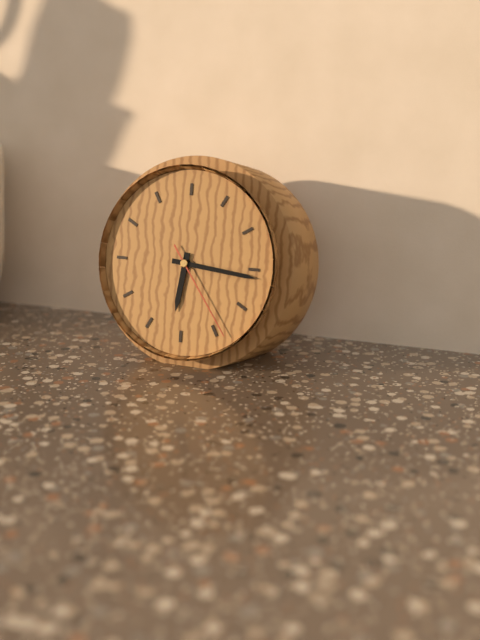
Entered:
6:16:24
